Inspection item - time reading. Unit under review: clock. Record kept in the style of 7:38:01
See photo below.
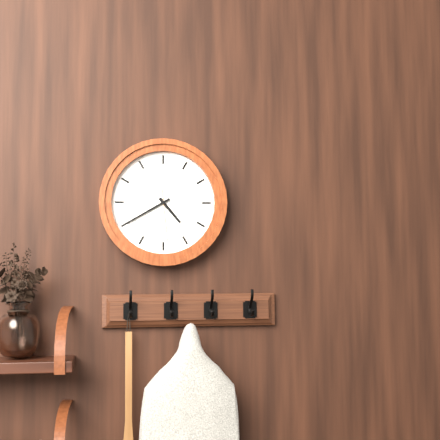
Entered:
4:40:29
